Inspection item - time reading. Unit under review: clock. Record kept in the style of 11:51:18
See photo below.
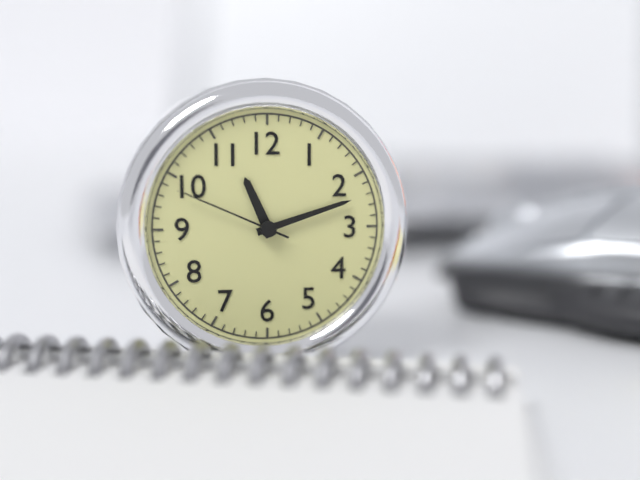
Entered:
11:12:49
